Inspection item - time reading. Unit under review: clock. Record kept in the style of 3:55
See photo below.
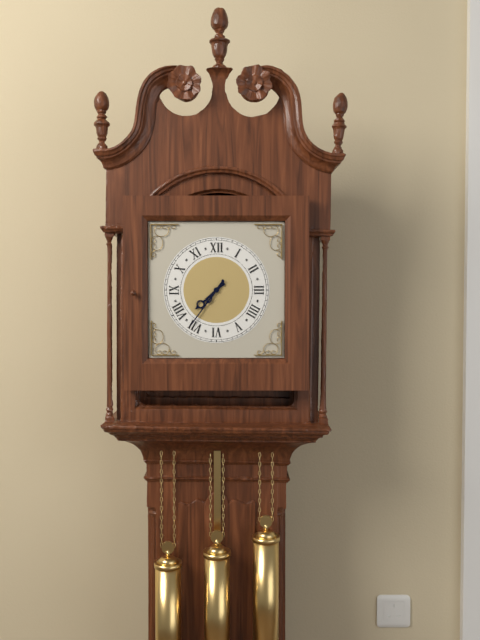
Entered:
7:36
